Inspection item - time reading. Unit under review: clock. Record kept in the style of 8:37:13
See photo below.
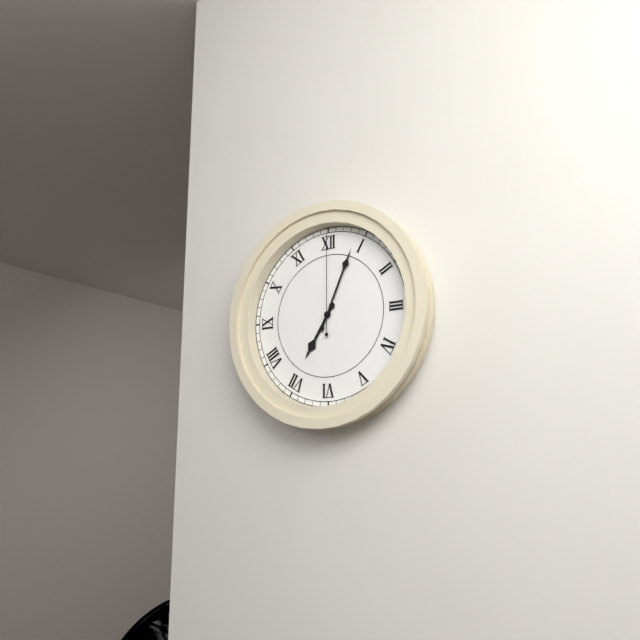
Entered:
7:04:00
